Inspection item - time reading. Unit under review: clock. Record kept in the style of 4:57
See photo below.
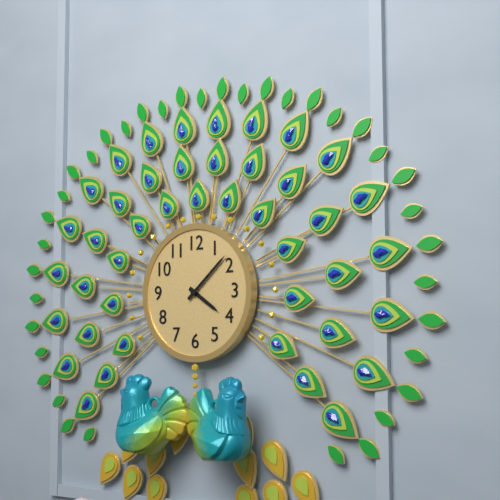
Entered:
4:08
